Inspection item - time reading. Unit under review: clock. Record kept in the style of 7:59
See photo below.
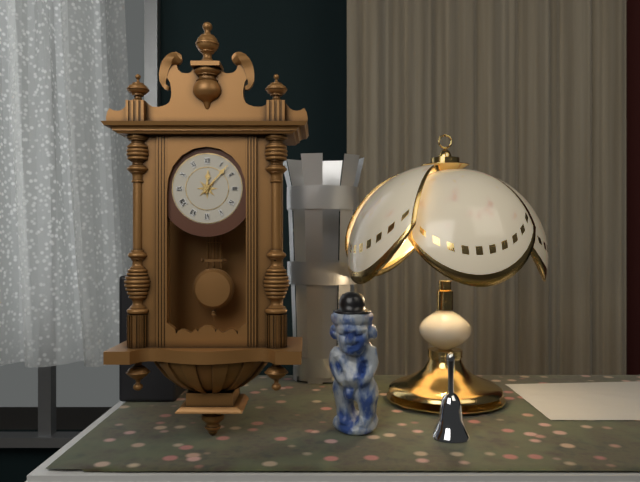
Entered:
12:07
